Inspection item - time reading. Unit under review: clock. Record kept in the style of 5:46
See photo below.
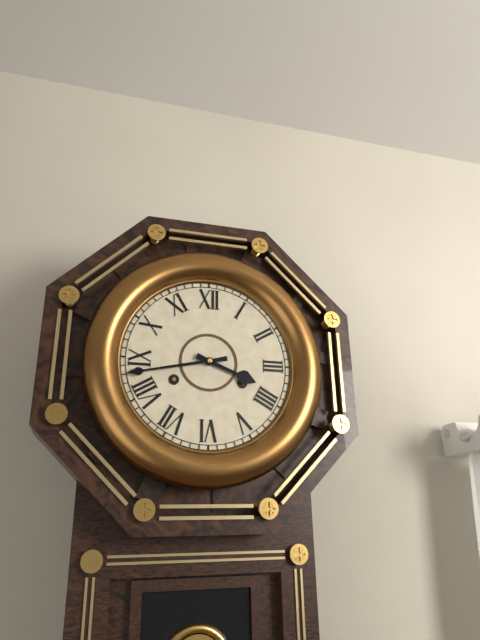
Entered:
3:43
